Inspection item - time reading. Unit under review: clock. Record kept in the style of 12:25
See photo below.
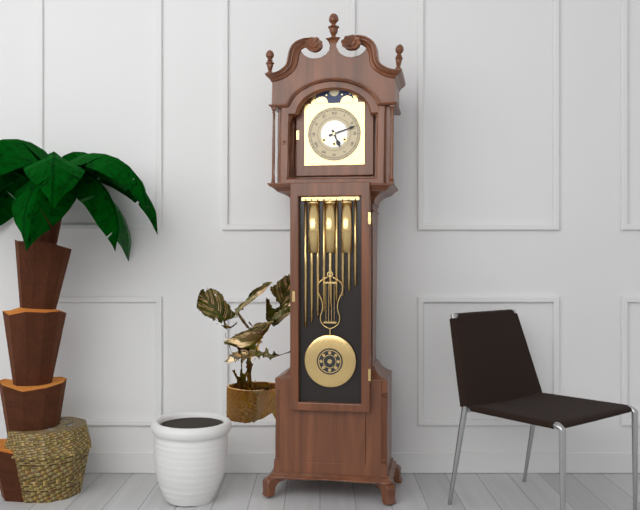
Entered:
5:12
